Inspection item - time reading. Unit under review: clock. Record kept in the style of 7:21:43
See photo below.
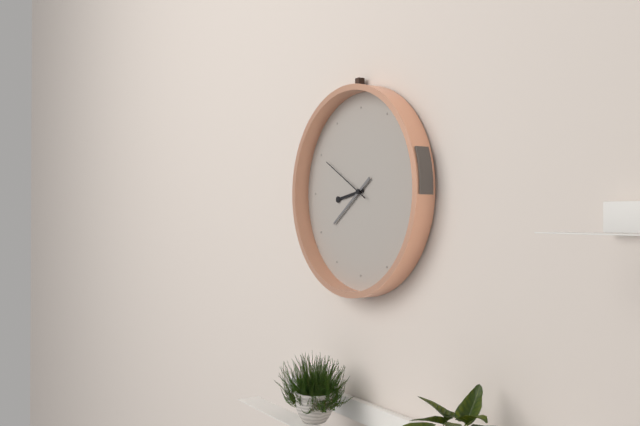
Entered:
8:39:50
